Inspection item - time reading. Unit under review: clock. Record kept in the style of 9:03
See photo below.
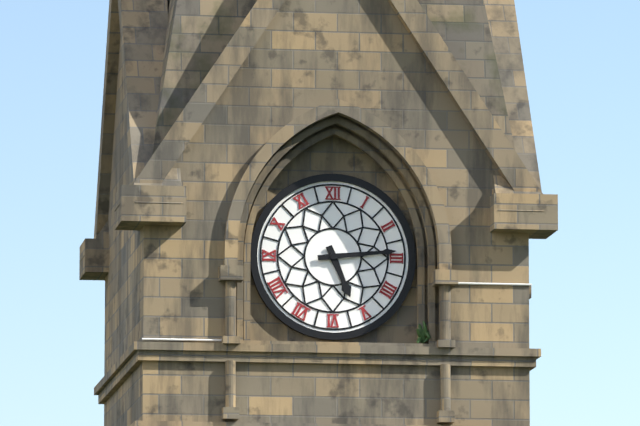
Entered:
5:14
